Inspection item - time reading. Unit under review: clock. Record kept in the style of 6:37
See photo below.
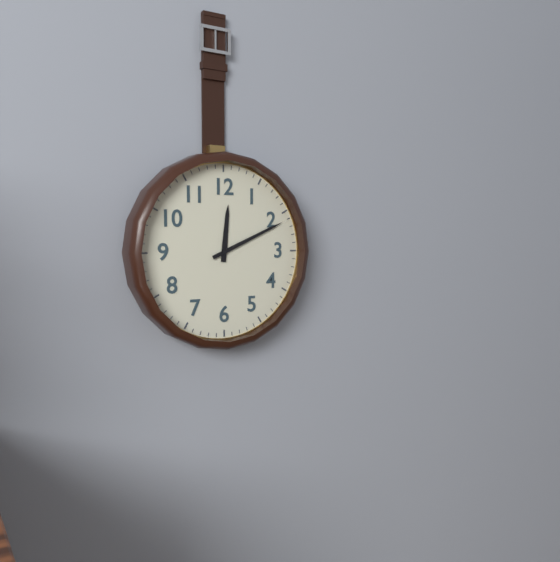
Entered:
12:11
